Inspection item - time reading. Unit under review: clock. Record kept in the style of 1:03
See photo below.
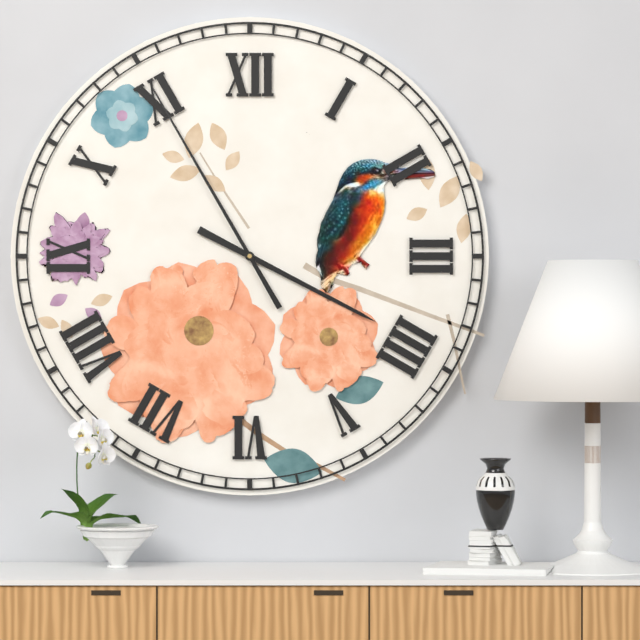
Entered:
3:55
